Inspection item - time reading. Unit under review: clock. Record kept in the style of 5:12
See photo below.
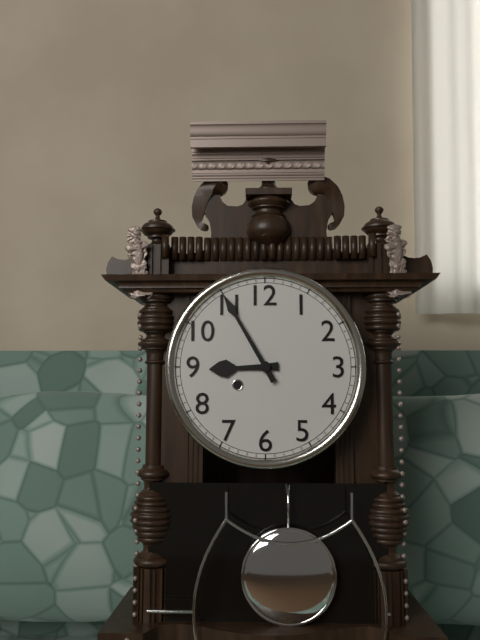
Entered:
8:55
